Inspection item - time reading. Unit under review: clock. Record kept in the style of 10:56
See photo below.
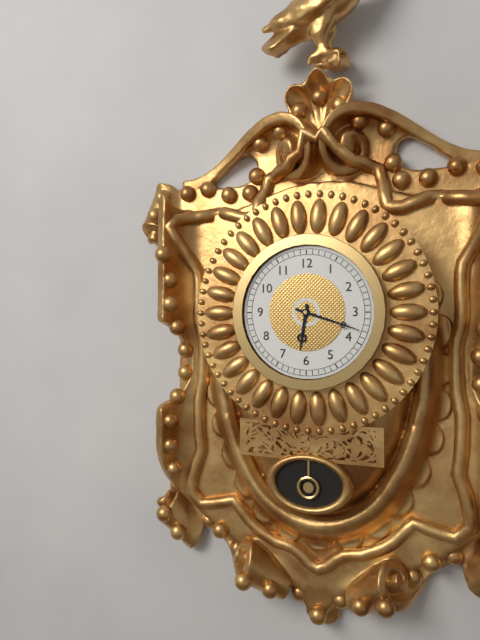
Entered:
6:18
